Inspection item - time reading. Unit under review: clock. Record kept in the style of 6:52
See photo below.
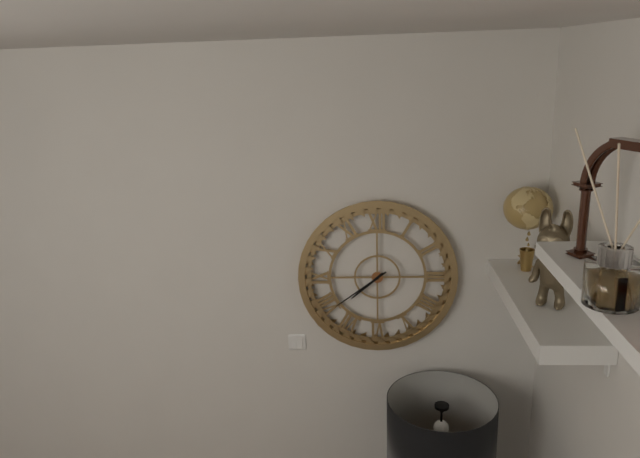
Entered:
7:39
